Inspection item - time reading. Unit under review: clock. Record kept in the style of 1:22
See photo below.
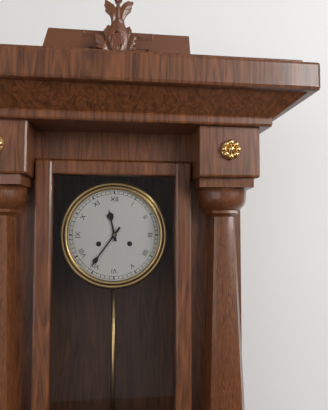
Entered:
11:36
